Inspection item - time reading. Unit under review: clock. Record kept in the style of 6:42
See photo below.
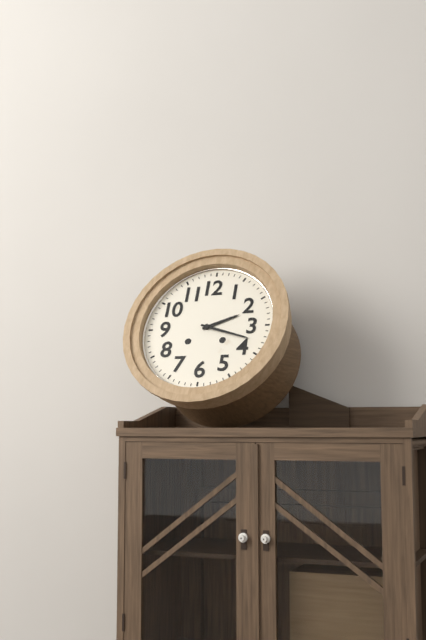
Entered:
2:18
